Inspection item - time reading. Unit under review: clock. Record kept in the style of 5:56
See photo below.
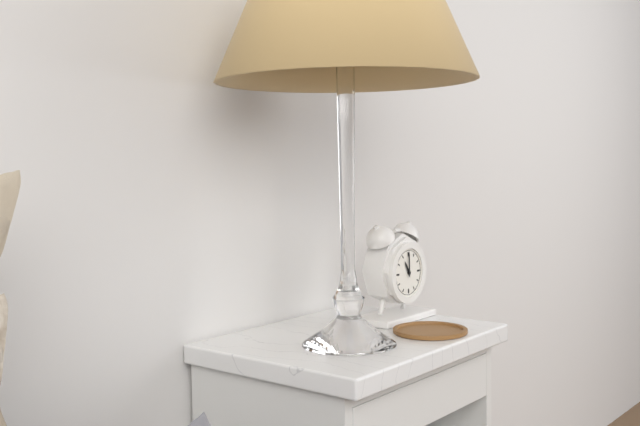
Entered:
11:00
